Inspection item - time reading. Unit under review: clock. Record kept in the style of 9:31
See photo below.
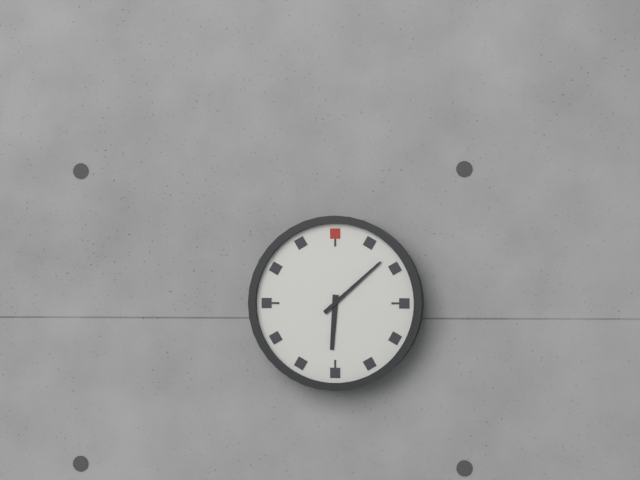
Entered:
6:08
